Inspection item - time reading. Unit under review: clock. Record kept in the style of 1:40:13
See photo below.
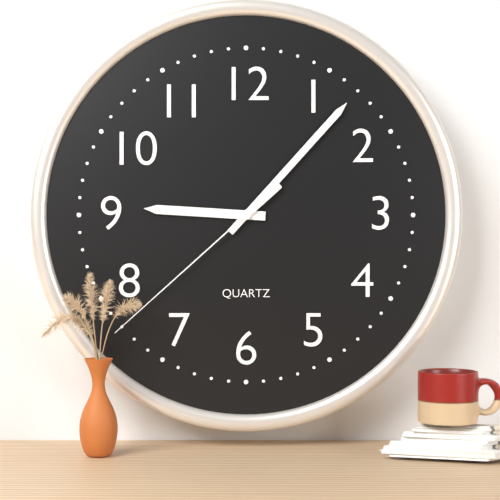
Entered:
9:07:38
